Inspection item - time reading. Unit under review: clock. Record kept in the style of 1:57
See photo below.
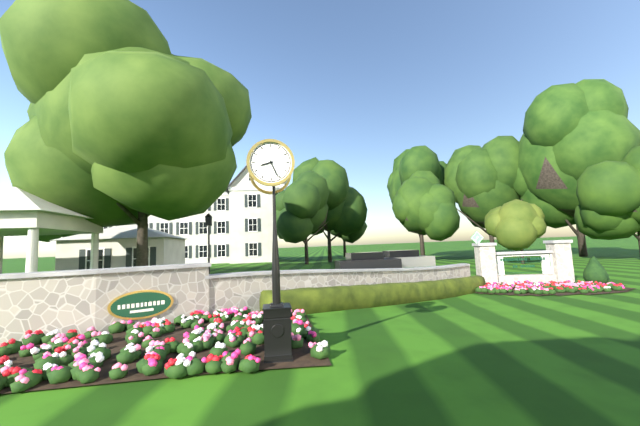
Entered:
8:26
